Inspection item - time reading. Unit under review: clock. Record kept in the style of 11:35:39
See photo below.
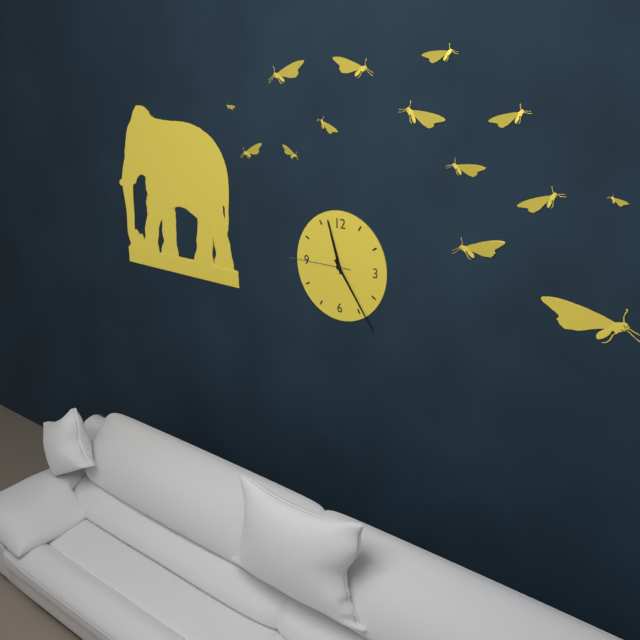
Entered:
11:24:45
